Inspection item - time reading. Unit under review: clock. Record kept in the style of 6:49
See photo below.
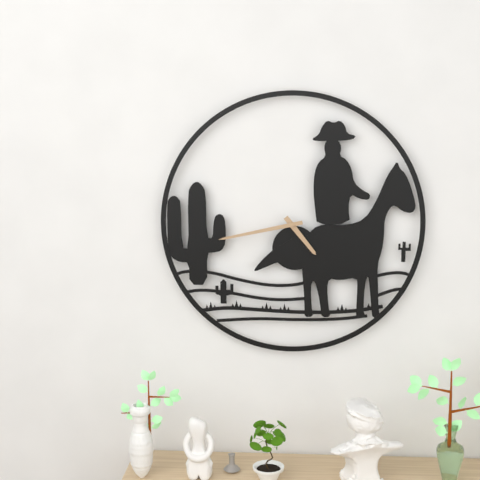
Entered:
4:43
